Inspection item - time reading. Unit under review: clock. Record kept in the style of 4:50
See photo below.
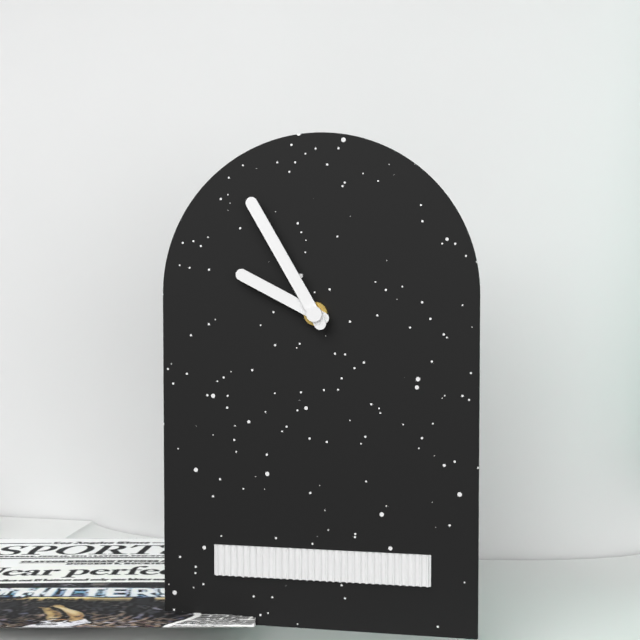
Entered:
9:55
